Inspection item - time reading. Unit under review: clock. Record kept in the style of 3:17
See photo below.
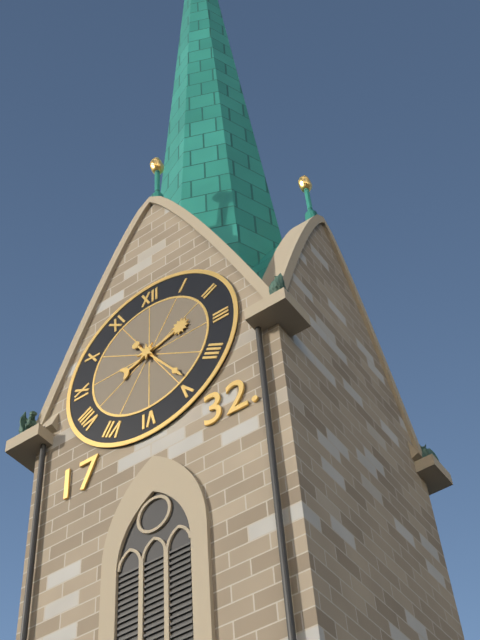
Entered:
2:24
